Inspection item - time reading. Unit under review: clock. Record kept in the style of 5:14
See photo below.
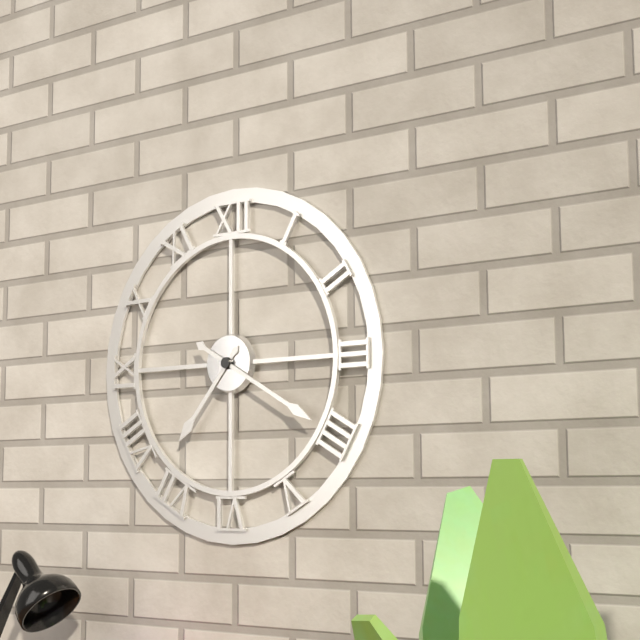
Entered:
7:20
